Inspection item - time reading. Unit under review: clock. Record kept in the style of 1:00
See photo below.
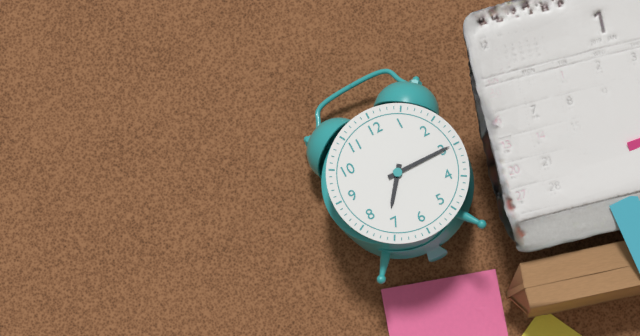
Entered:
7:15
